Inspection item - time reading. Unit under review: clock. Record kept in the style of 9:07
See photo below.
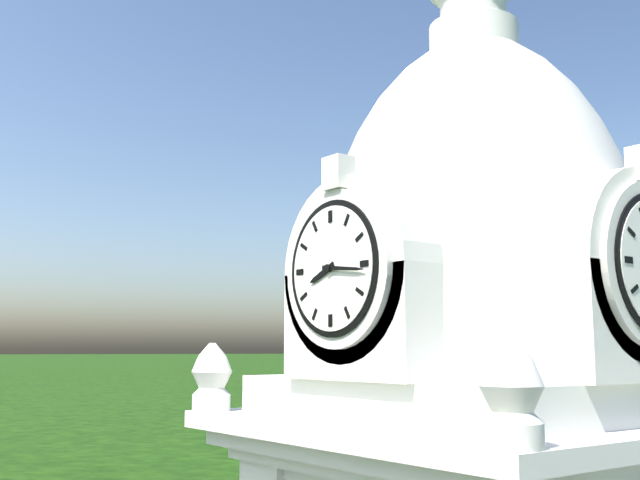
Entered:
8:16
